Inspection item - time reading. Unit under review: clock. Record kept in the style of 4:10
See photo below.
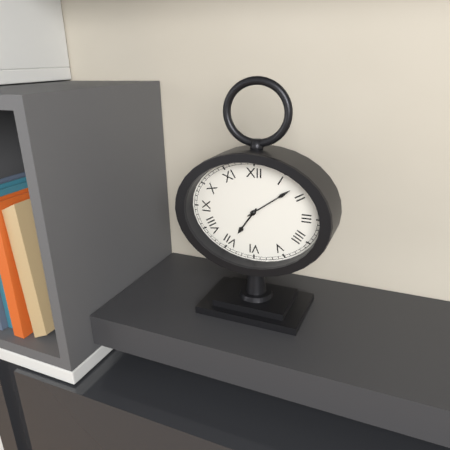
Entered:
7:09
